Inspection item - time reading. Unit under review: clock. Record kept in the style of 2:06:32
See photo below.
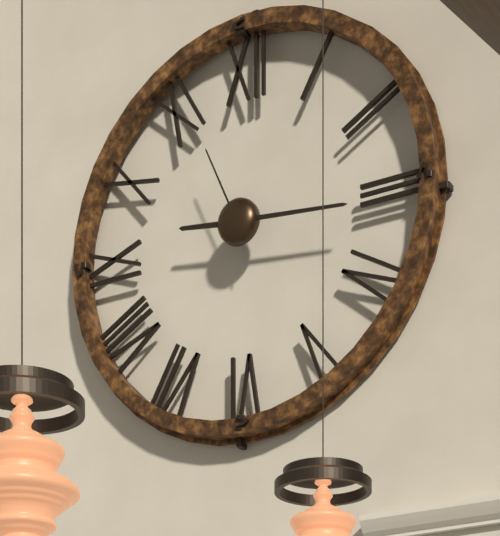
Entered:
9:16:56
